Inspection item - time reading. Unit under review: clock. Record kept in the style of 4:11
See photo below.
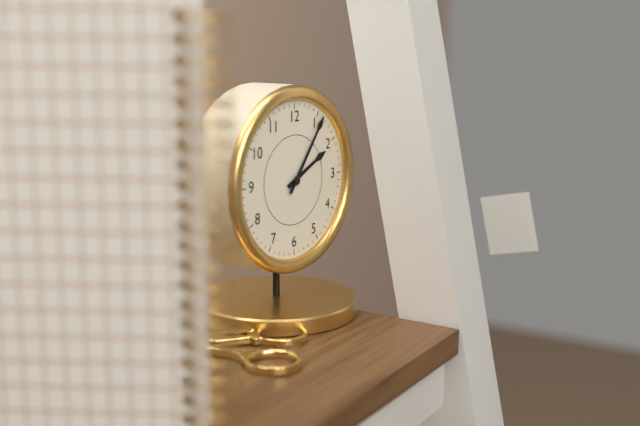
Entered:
2:06
